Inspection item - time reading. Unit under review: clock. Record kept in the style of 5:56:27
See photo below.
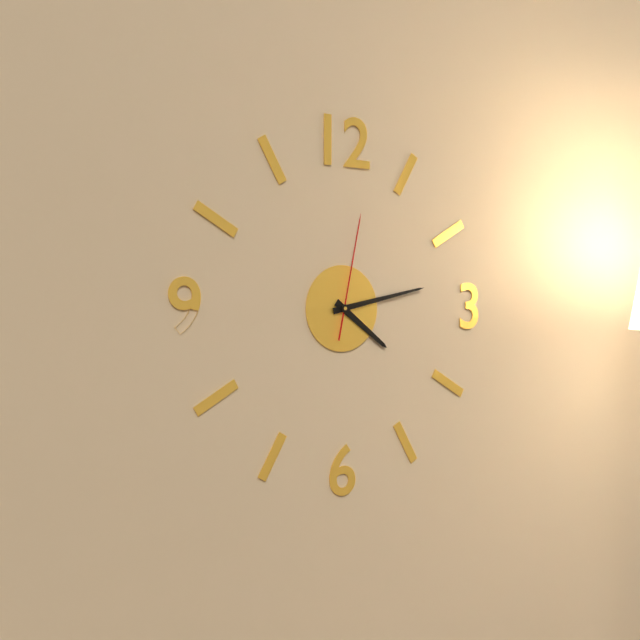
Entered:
4:13:02
